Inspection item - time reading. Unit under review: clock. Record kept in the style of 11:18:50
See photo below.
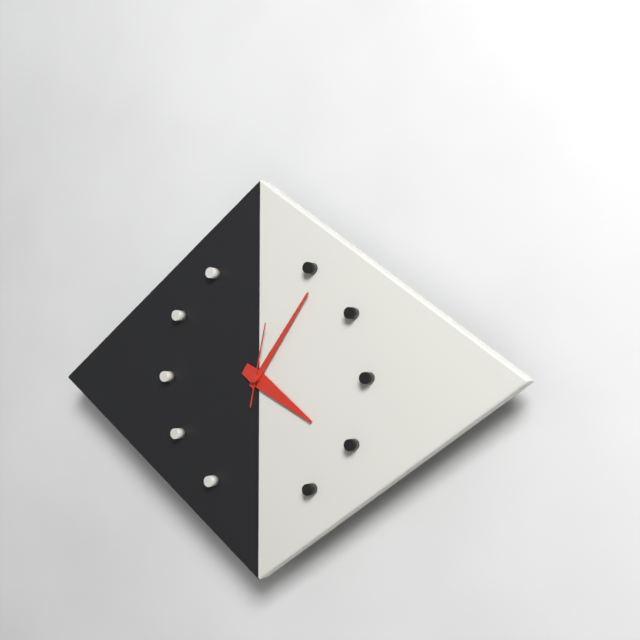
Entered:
4:06:02
